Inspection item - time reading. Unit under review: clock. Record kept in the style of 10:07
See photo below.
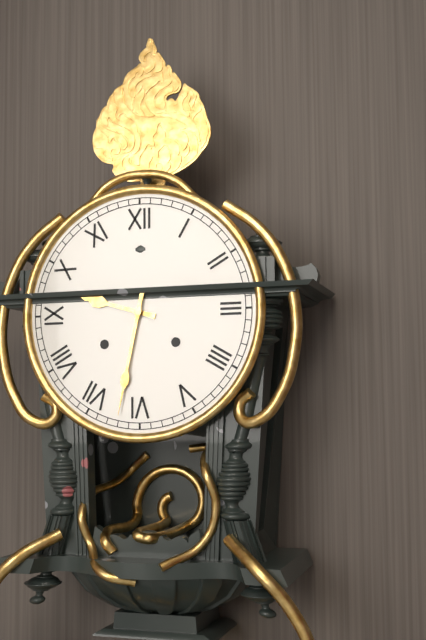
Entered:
9:32
